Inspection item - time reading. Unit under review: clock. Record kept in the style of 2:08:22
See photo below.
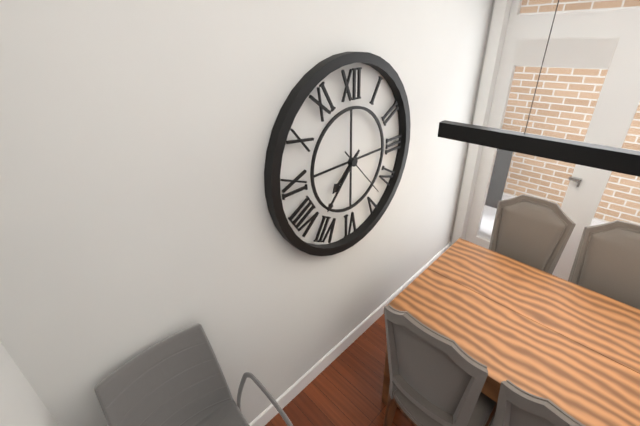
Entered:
7:37:23
